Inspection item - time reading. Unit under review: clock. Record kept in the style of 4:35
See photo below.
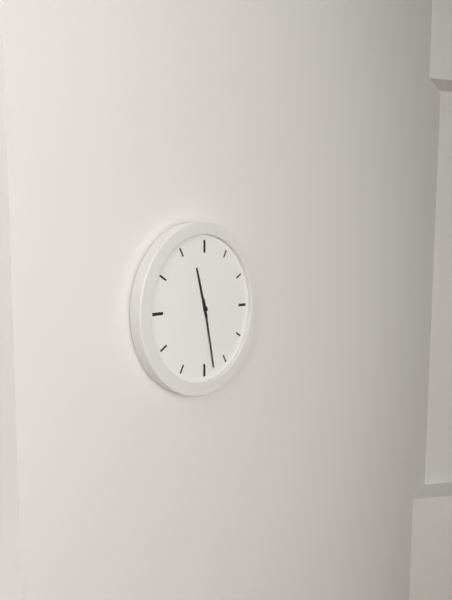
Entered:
11:28
